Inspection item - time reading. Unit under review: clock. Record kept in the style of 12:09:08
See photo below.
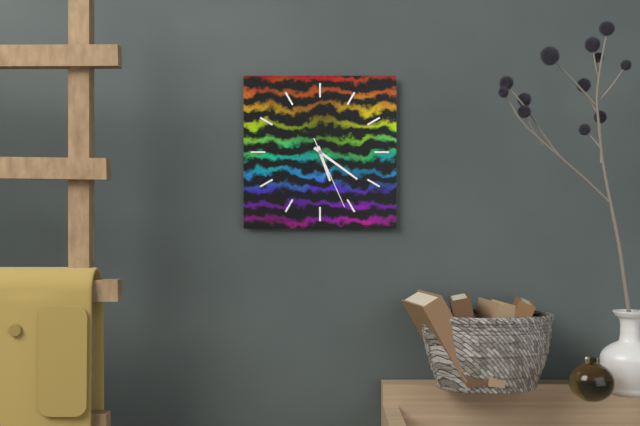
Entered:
5:21:26
